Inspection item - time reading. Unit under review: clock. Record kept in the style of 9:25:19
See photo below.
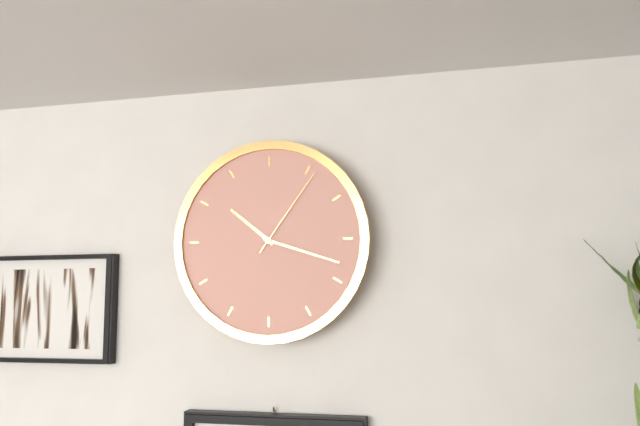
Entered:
10:18:06
